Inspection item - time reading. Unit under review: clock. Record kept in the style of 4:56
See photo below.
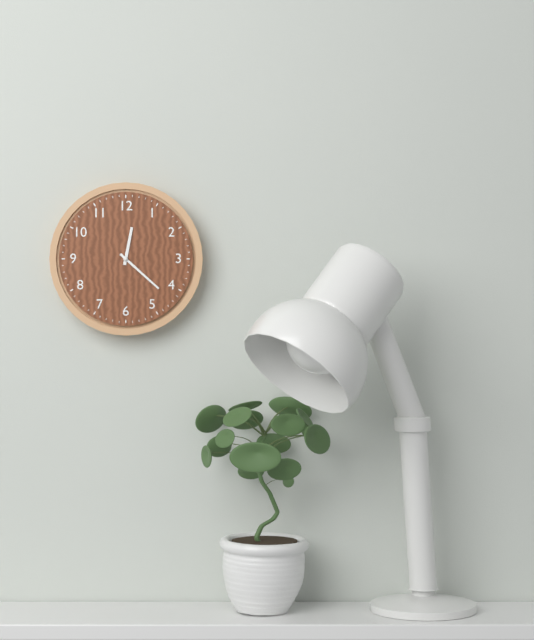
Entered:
12:22
